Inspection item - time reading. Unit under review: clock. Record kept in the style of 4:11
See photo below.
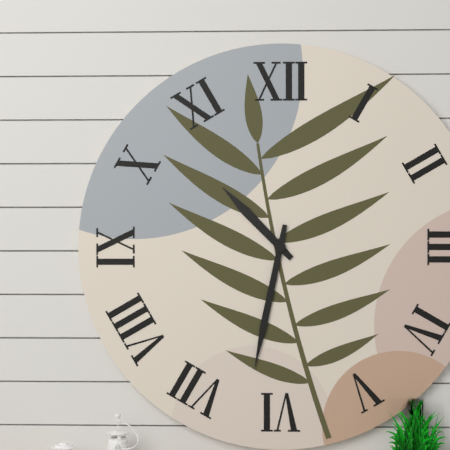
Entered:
10:32
